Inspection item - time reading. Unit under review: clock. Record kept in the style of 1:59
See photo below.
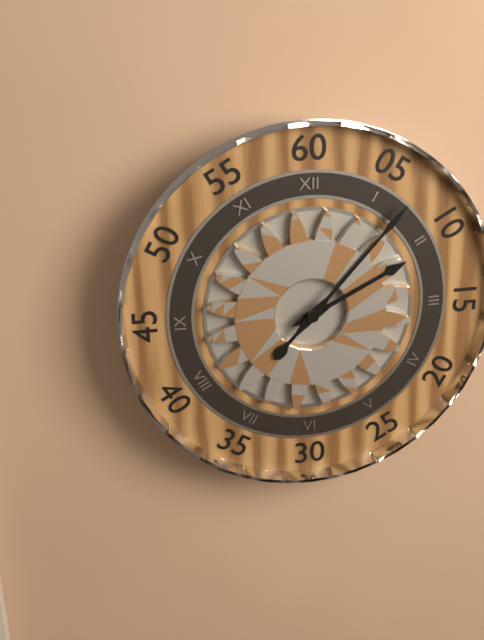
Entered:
2:07
